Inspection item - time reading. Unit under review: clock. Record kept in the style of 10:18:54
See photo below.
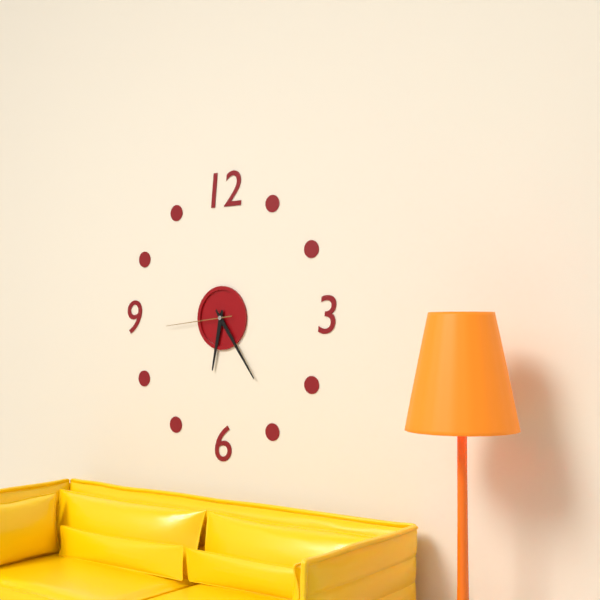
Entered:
6:24:44
